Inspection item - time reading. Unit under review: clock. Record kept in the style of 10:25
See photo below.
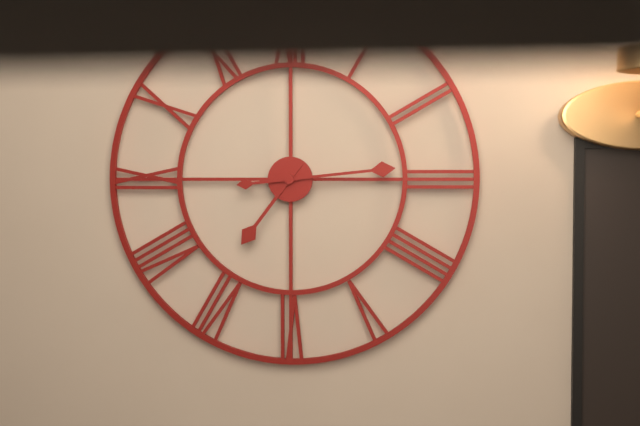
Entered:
7:14
